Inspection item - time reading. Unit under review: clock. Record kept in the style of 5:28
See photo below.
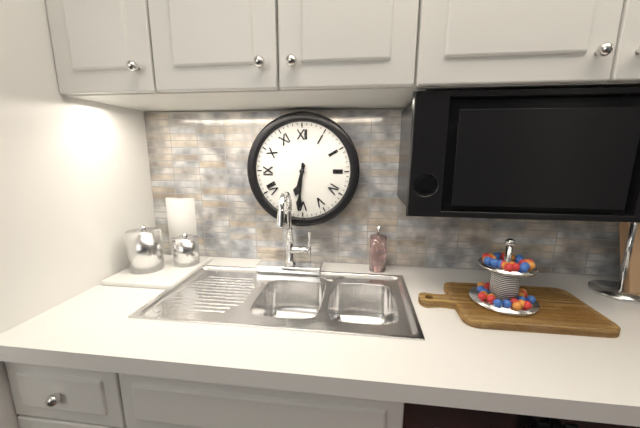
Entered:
6:31
